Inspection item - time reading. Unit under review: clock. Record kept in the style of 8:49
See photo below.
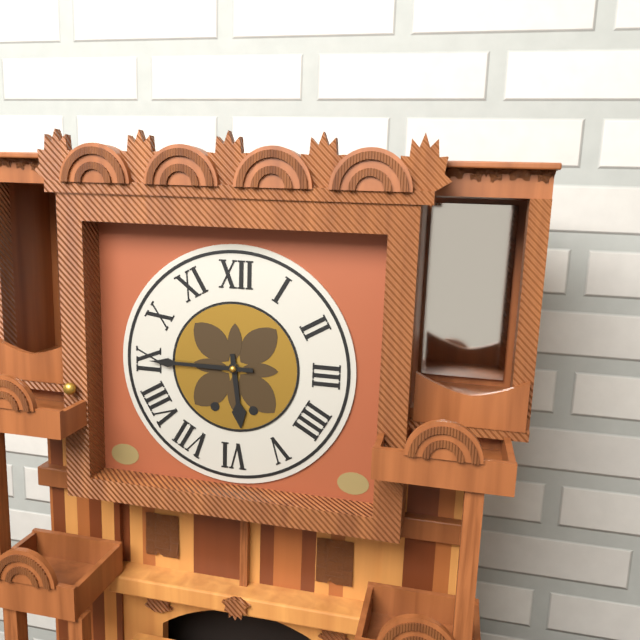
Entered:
5:45
